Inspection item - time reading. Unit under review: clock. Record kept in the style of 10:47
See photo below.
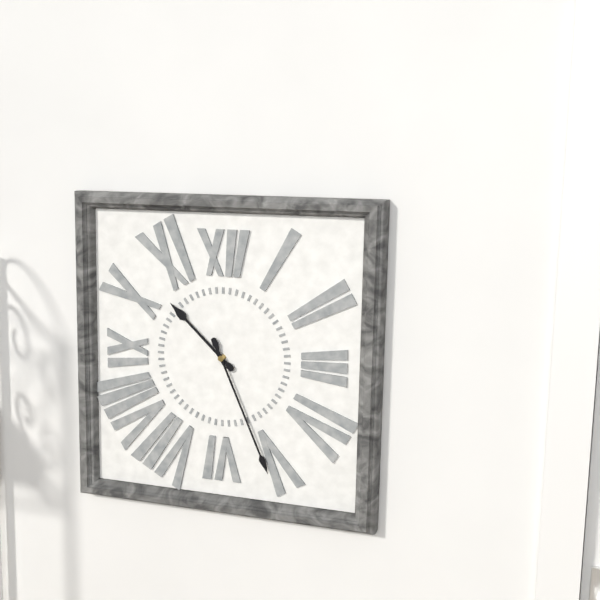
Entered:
10:26
